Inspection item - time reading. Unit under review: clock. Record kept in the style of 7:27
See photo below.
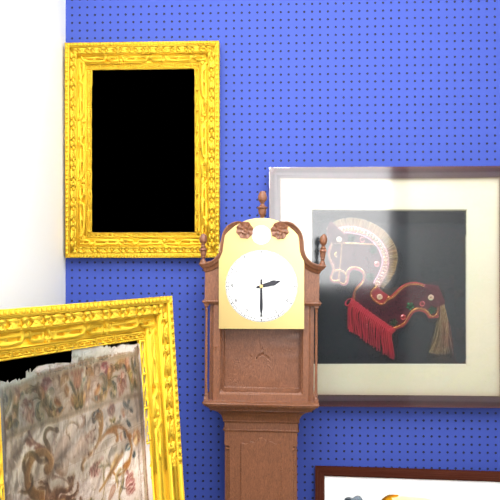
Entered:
2:30
